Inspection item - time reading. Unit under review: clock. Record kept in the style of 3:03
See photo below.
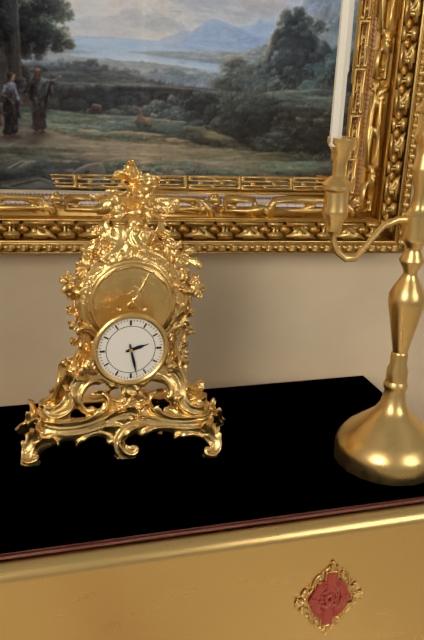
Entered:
2:28
